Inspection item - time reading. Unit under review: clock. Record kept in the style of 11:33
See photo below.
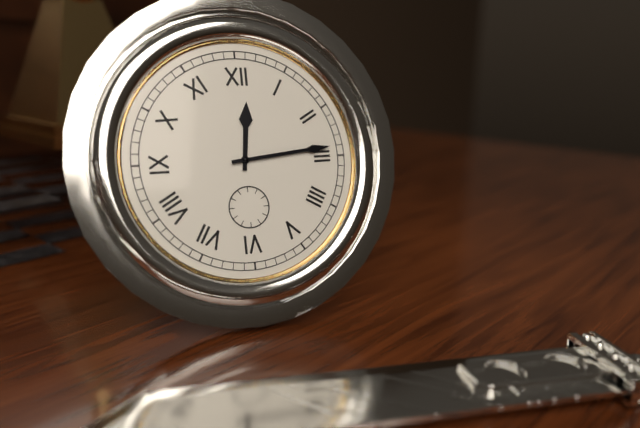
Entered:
12:14
